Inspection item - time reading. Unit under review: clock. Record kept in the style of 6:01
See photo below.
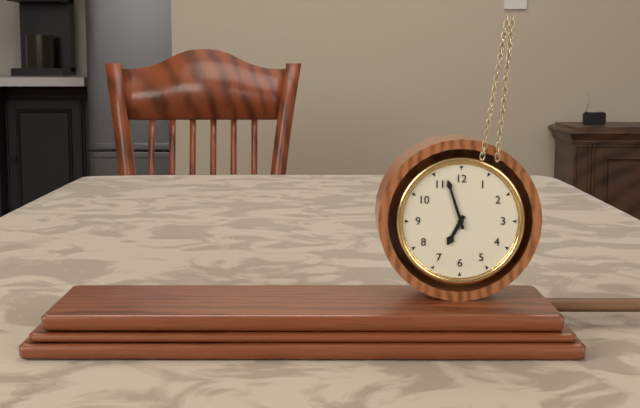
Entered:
6:57
